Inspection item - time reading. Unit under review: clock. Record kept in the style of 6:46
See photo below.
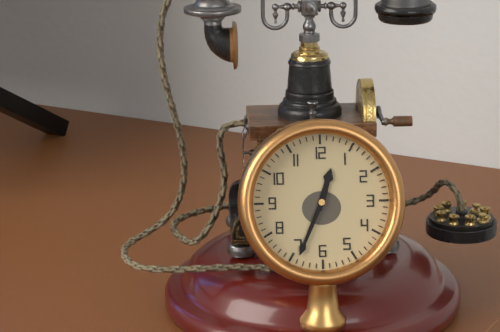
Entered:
12:34
